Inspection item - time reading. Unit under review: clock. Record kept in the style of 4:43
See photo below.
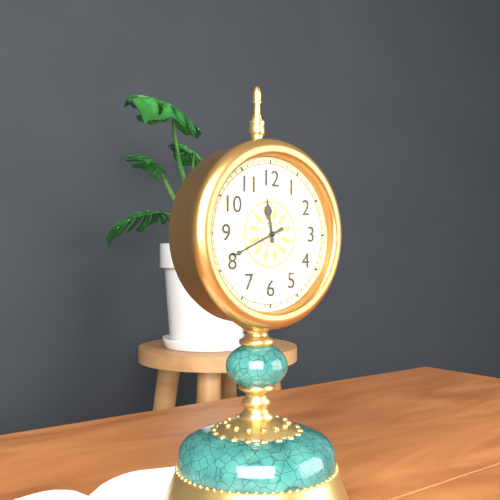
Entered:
11:41
